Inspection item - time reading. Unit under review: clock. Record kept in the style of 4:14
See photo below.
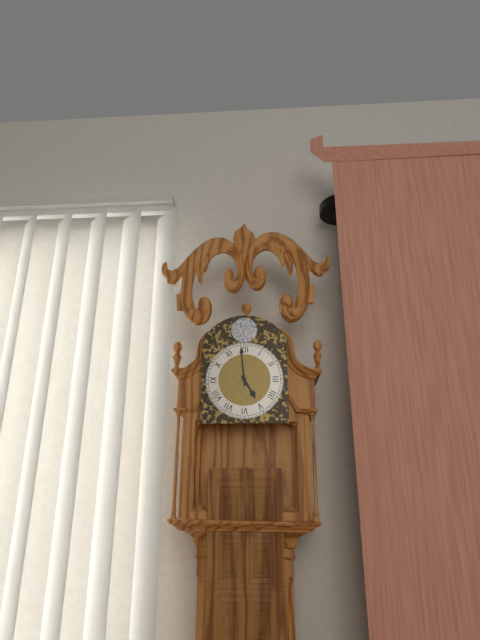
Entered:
4:59
